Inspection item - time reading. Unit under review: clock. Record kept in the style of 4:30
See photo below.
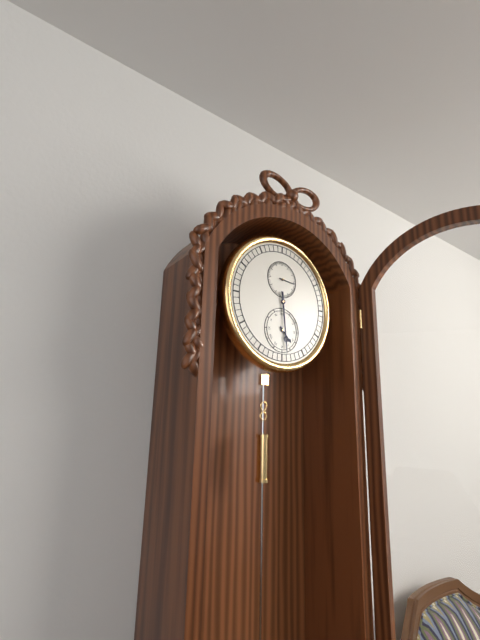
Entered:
4:29
